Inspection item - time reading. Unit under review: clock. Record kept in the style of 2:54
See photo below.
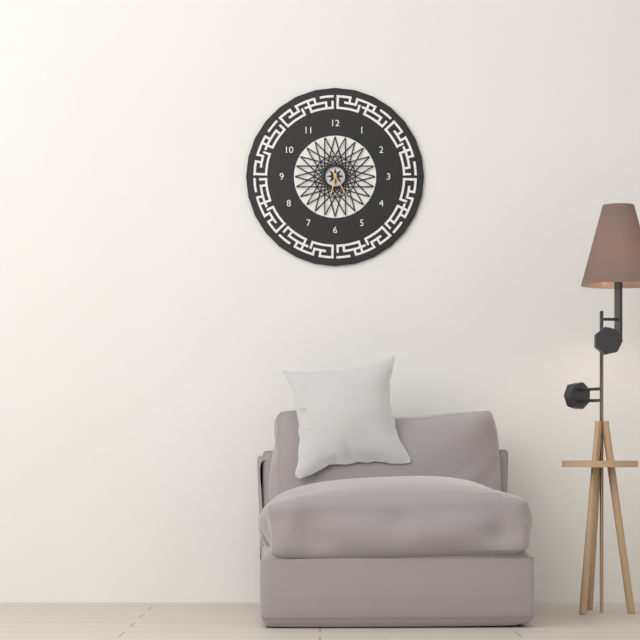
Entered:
6:25
